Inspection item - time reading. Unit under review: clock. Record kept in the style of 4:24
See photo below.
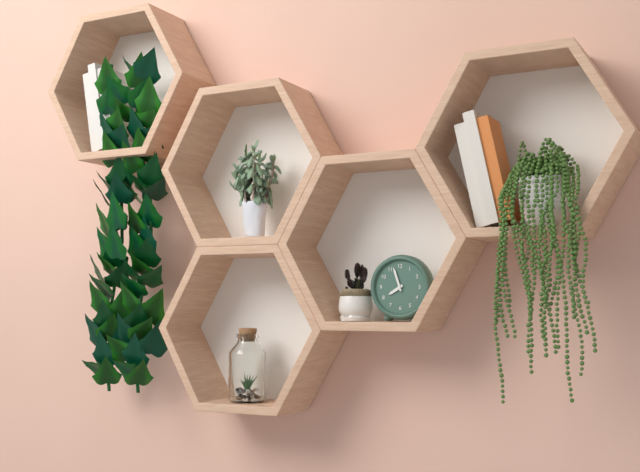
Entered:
7:57
